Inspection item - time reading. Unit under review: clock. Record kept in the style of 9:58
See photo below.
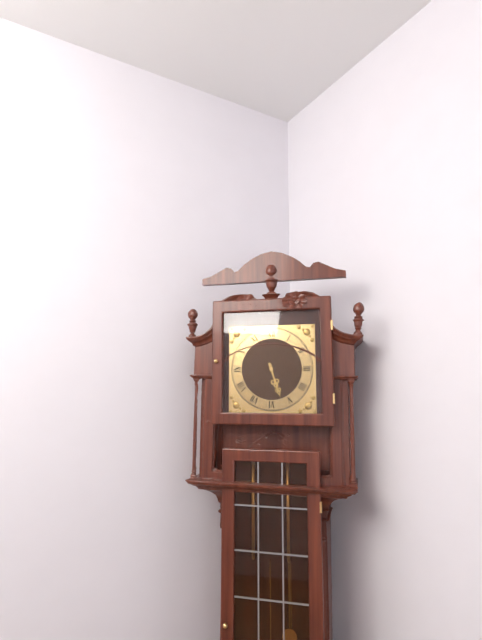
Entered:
5:27
